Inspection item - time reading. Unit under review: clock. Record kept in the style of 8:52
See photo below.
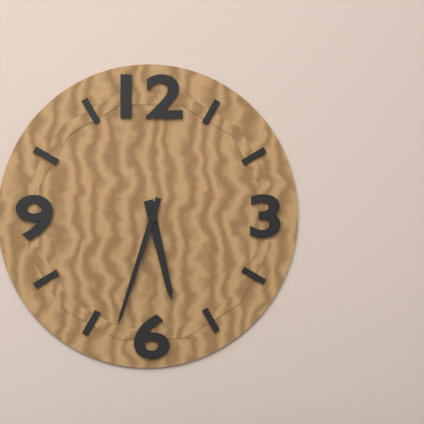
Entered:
5:33
